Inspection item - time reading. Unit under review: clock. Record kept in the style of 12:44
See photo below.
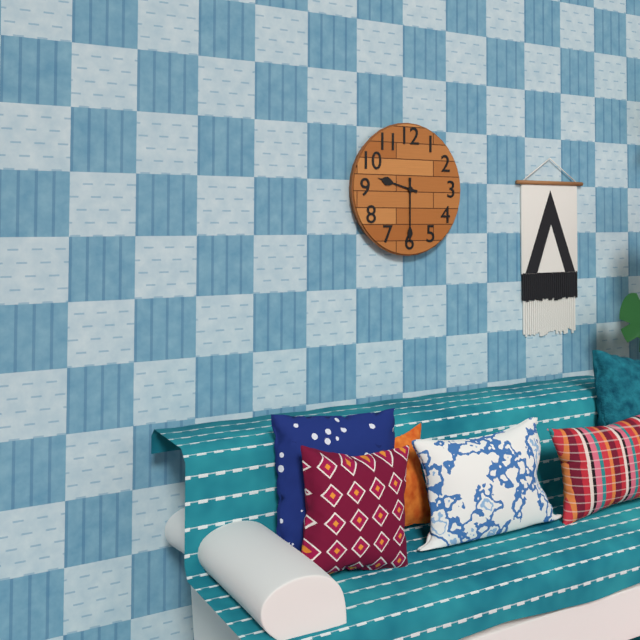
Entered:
9:30
